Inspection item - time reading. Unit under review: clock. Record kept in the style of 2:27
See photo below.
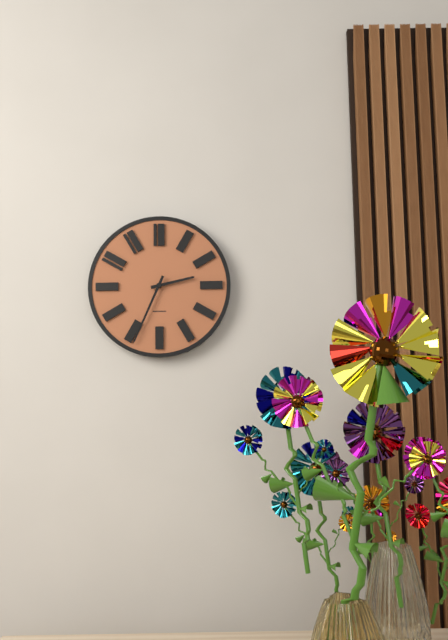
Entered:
2:34
